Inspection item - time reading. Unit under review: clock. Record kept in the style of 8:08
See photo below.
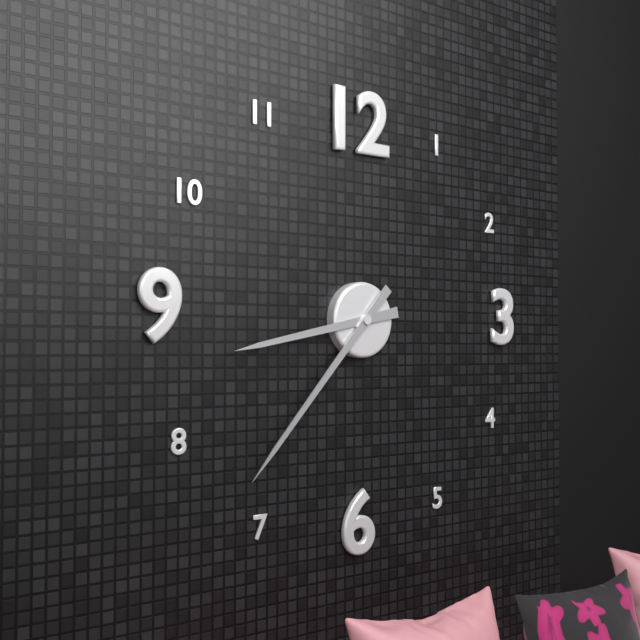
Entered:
8:37
